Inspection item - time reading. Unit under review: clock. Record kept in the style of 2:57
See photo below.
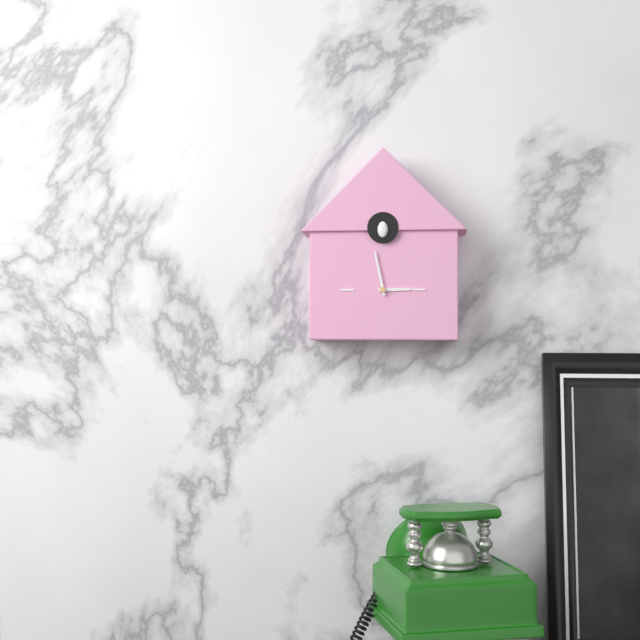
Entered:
2:58
